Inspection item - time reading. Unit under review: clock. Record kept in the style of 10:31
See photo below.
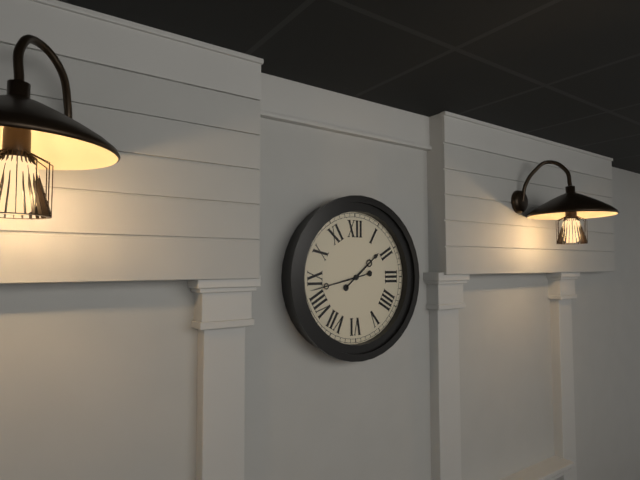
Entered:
1:43
